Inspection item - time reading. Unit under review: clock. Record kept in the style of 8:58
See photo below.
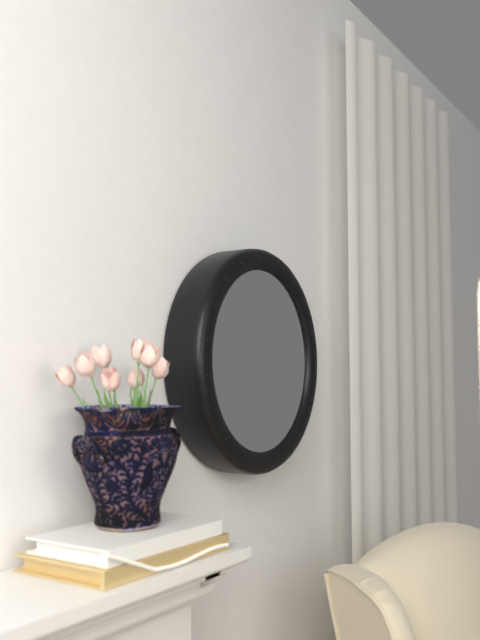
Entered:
4:51
